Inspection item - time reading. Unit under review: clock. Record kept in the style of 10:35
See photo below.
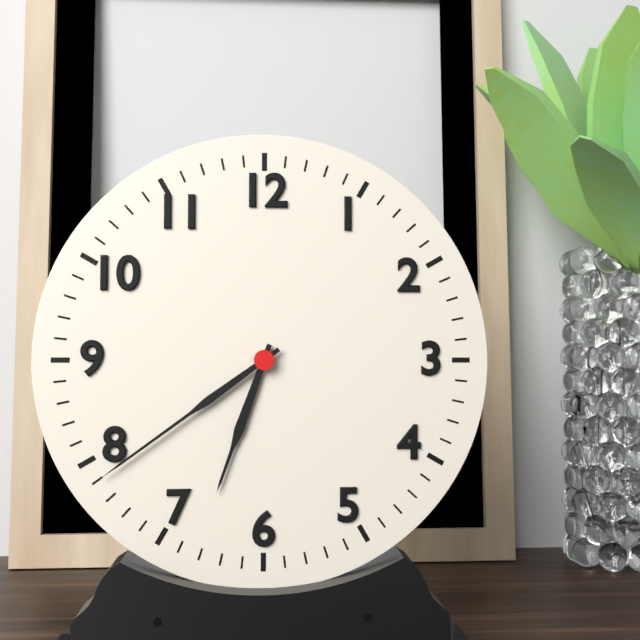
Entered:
6:39
